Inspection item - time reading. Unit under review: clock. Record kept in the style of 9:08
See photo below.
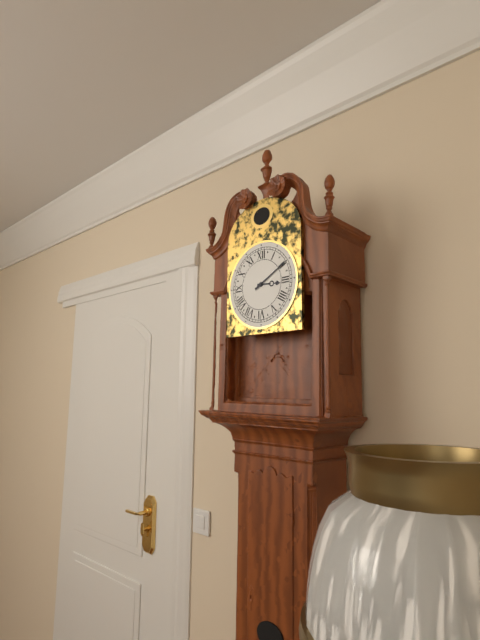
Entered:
3:10
